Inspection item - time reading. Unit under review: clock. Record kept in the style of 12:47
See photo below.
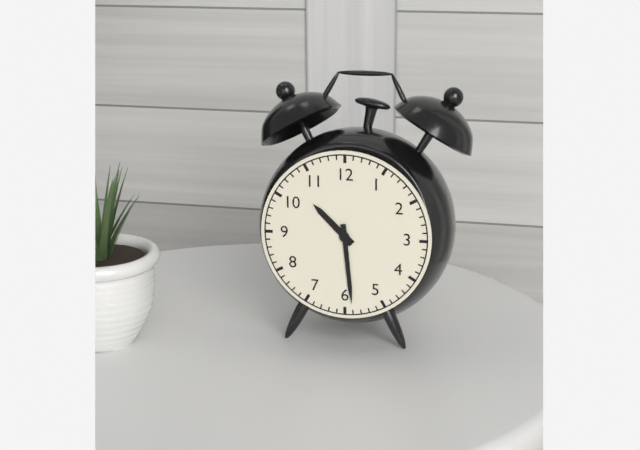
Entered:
10:29
